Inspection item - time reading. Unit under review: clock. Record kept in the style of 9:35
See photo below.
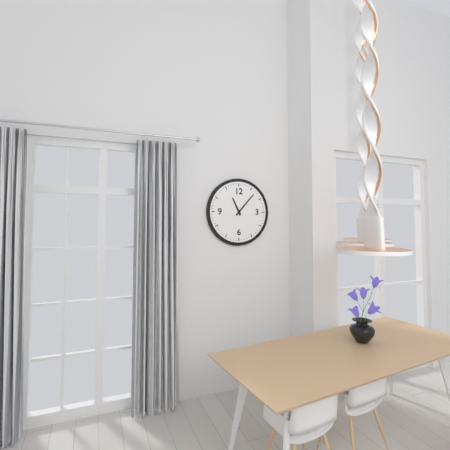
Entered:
11:07
